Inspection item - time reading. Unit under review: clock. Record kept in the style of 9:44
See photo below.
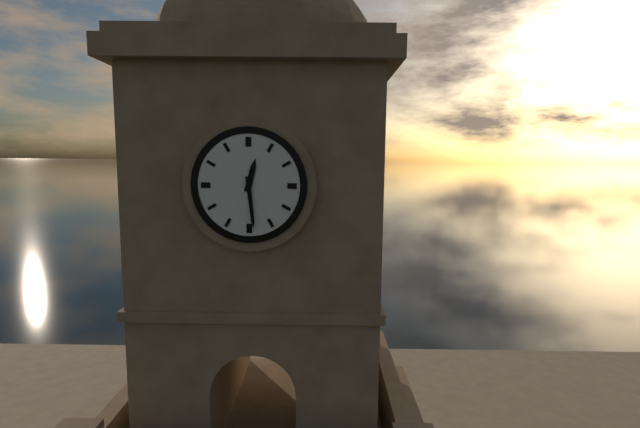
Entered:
12:29
